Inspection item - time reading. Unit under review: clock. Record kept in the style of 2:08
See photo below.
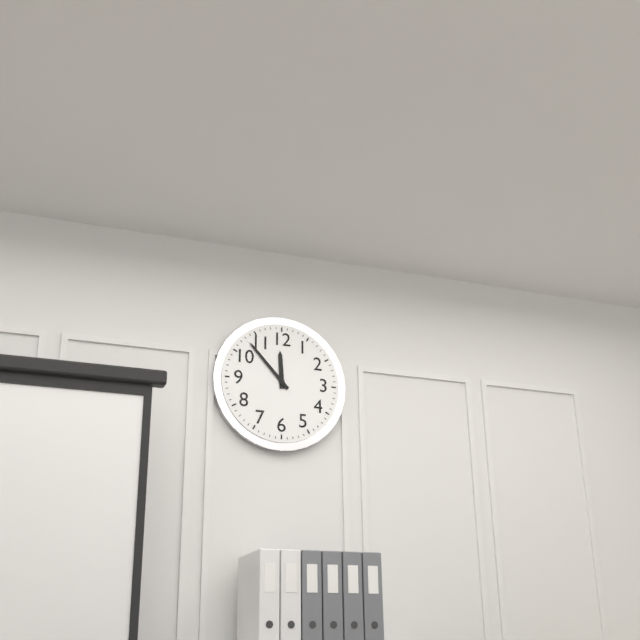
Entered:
11:53
